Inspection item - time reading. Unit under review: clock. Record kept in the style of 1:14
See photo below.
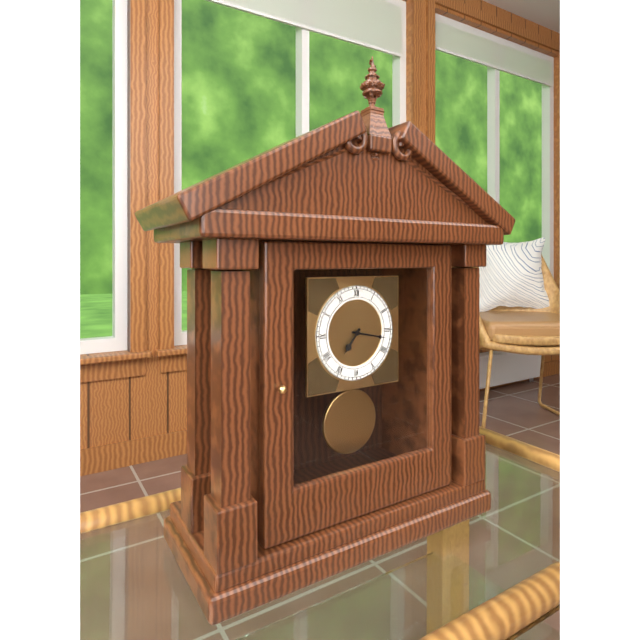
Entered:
7:17
